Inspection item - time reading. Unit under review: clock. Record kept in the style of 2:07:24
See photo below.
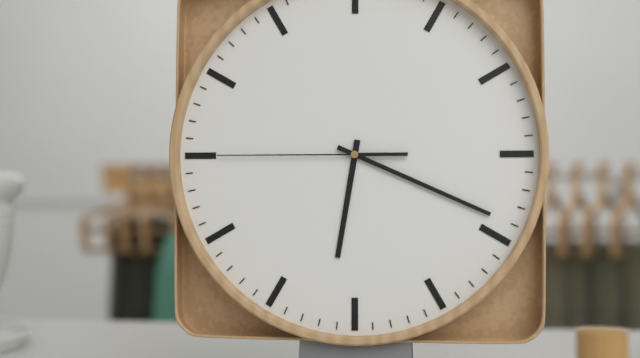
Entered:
6:19:45
